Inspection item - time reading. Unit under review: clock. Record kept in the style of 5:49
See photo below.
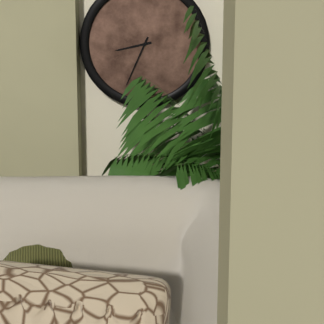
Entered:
8:34
